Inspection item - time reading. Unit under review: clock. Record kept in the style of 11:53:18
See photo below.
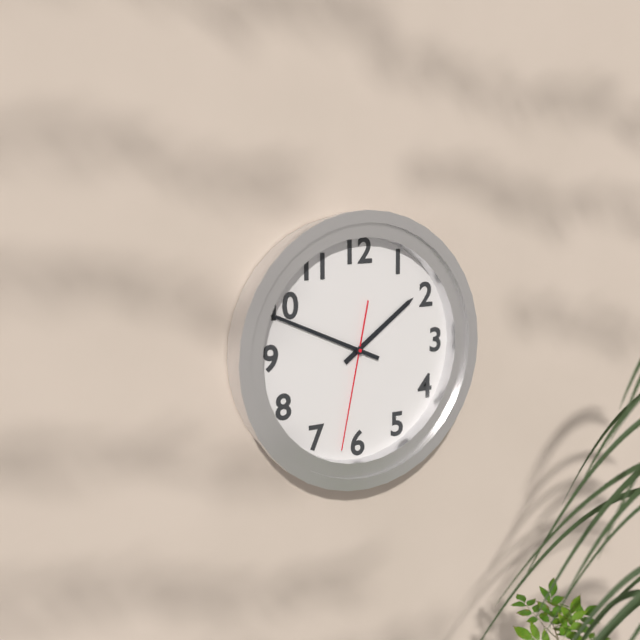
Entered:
1:49:32
